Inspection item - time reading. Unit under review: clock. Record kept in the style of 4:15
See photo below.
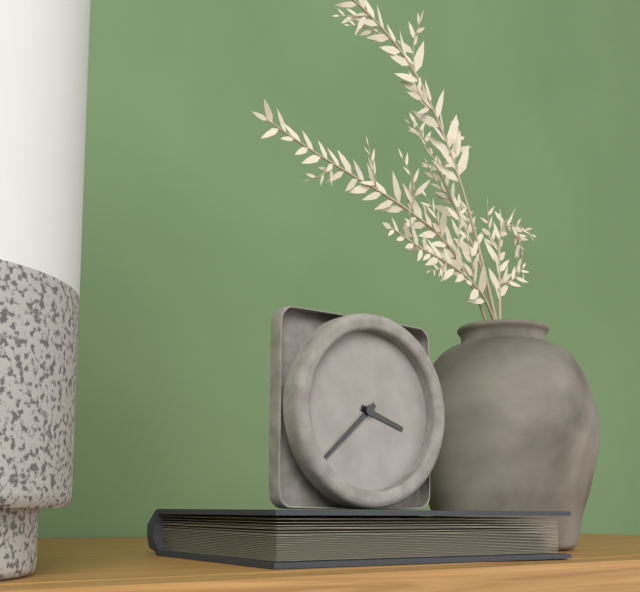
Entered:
3:38
